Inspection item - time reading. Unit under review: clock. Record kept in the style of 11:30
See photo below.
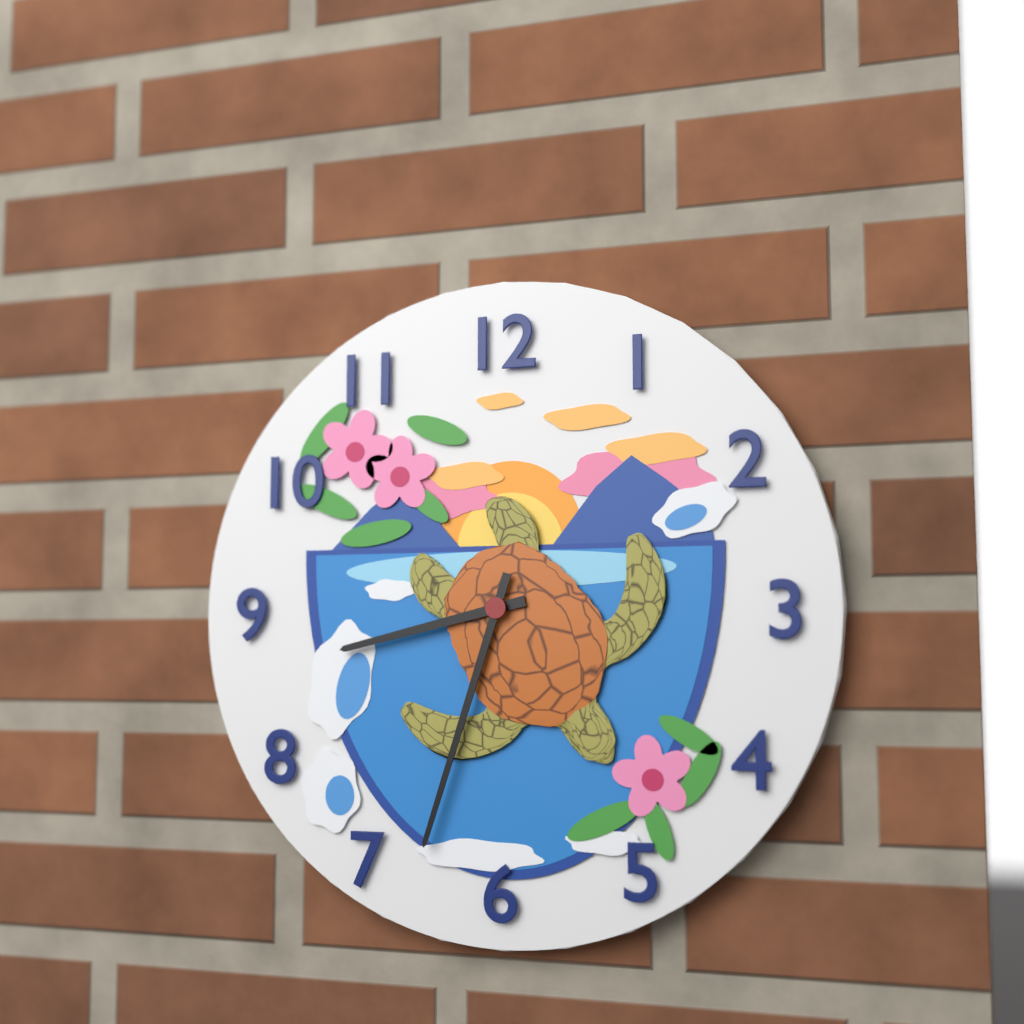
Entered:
8:33
